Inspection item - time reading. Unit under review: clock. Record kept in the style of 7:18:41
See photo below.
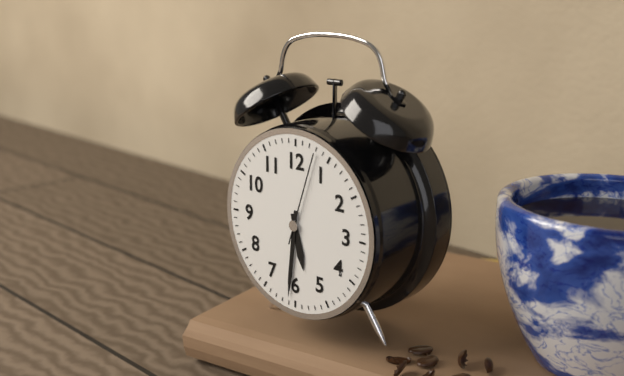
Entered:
5:31:03
